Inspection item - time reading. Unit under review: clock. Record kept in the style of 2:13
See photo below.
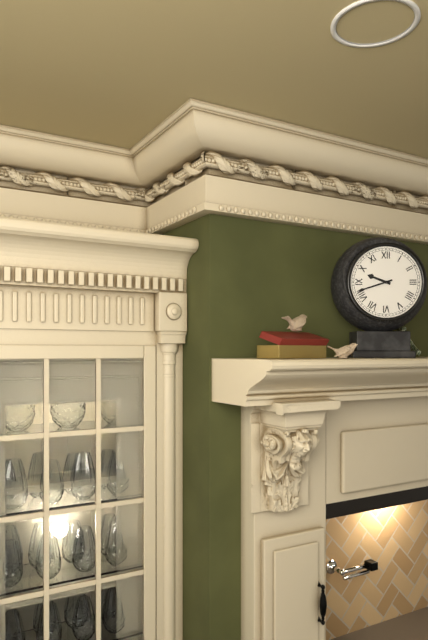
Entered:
9:42
